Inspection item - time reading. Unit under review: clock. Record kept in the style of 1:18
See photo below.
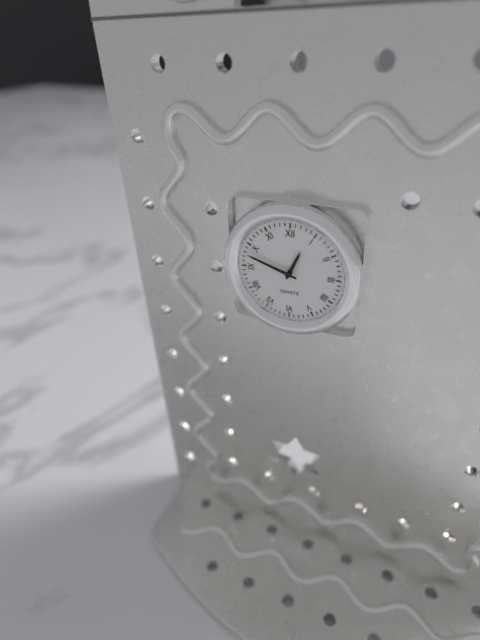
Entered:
12:48
